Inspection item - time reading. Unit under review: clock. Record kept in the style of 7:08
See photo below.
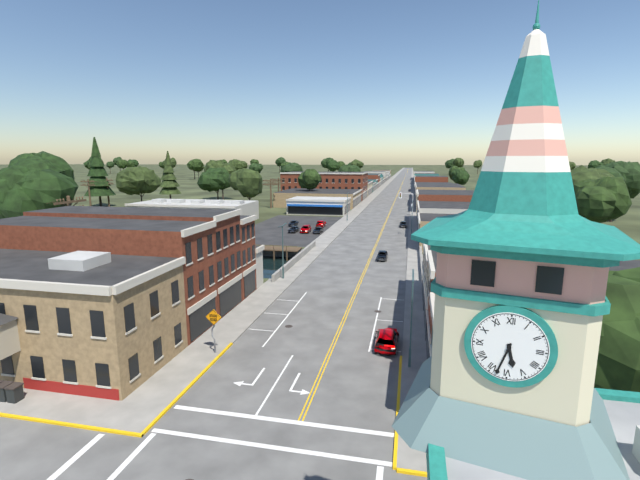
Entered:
5:33
